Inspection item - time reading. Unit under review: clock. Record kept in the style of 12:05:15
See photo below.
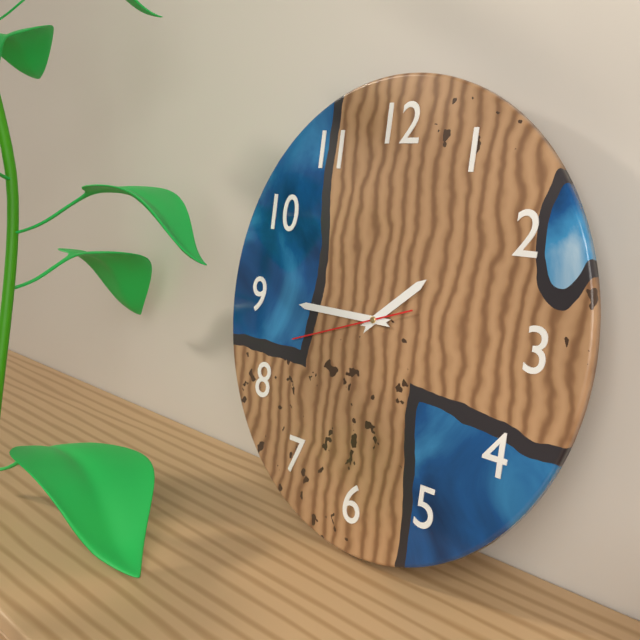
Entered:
1:45:42
